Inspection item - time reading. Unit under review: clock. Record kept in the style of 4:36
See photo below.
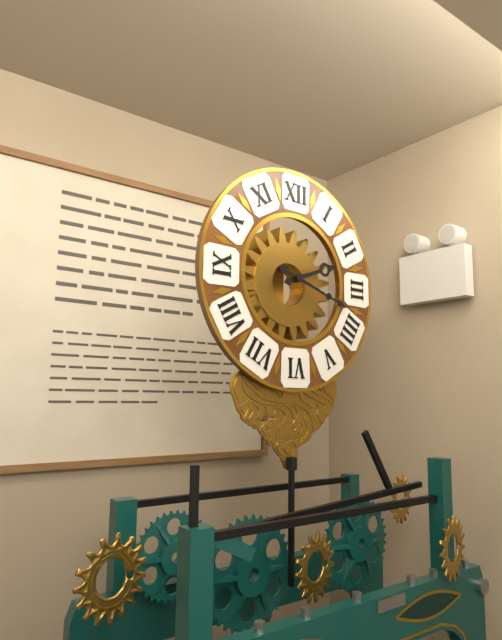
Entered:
2:18
